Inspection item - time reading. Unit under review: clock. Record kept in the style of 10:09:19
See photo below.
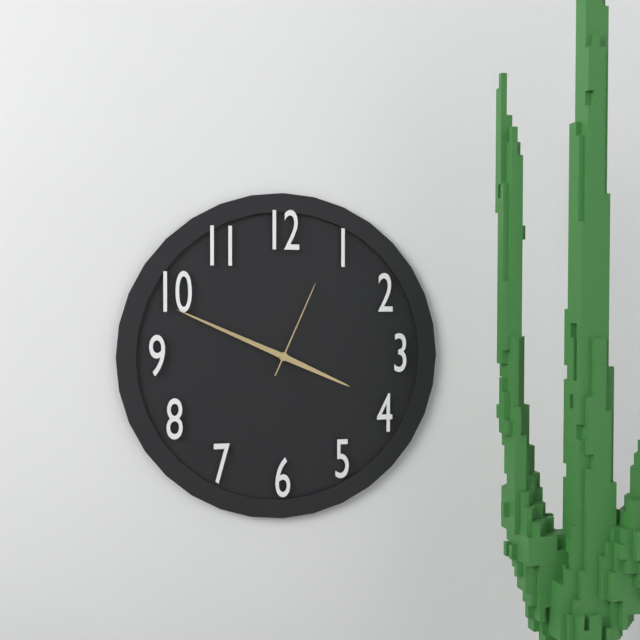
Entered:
3:49:04
